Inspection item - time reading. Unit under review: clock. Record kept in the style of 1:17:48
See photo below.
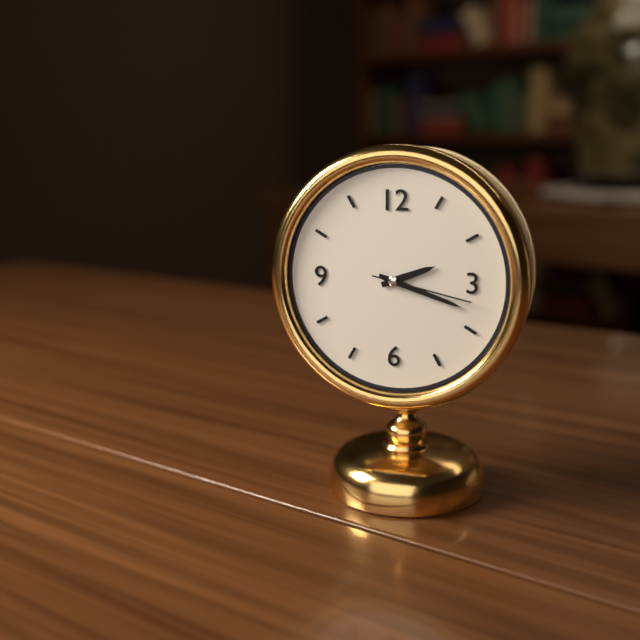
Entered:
2:18:17
